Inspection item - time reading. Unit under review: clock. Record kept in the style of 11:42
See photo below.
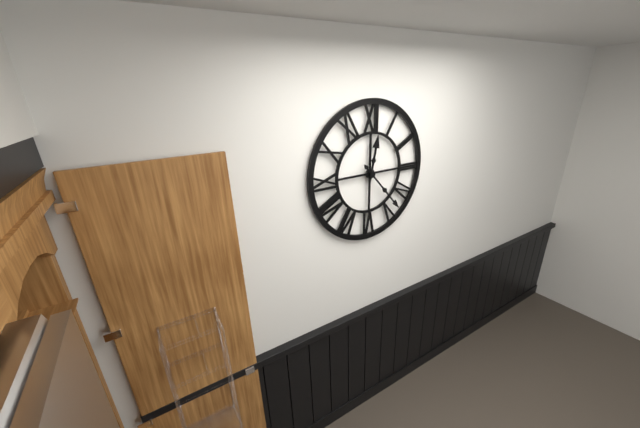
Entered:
12:23
